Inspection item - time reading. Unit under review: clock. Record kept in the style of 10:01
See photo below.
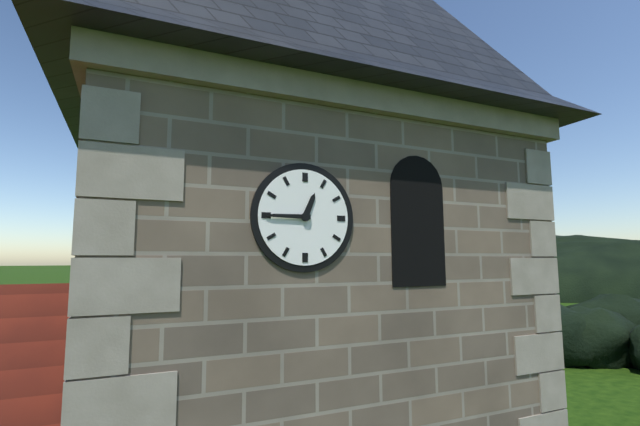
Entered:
12:45
